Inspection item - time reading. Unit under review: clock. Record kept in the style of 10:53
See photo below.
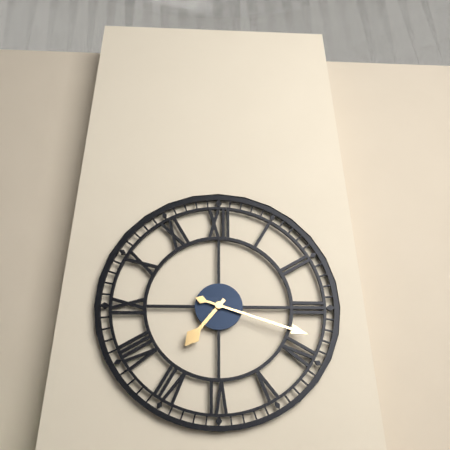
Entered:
7:18
